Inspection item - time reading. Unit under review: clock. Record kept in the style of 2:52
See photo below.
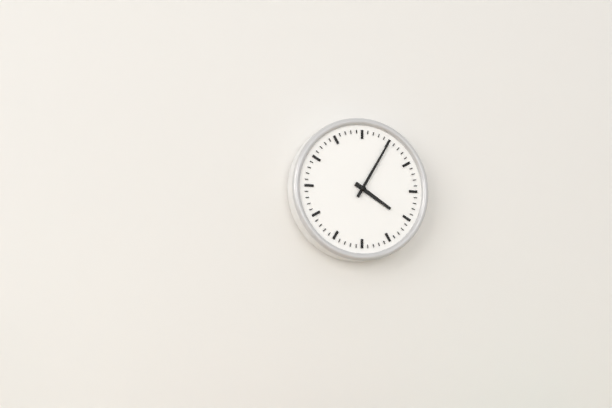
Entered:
4:05
